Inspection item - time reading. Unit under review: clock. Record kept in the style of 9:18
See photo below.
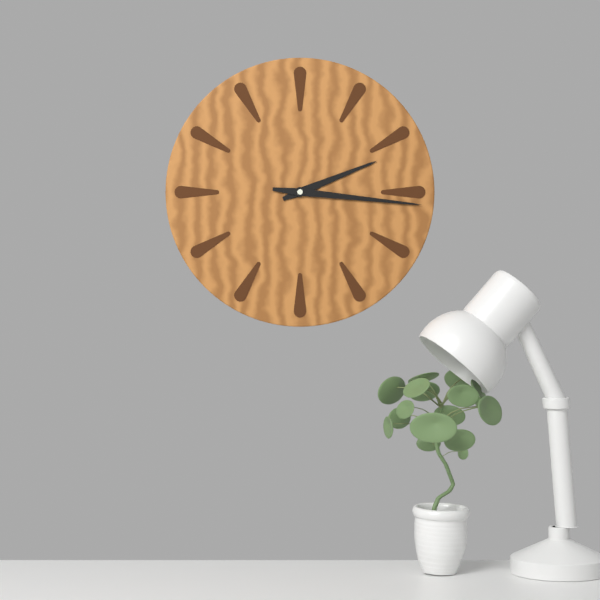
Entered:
2:16
